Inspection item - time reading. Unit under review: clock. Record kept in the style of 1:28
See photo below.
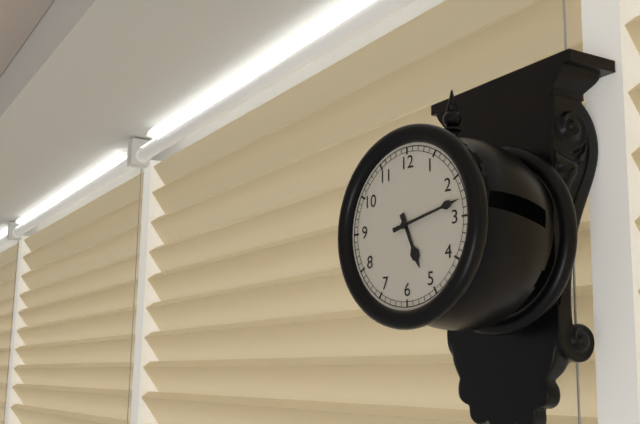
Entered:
5:13
